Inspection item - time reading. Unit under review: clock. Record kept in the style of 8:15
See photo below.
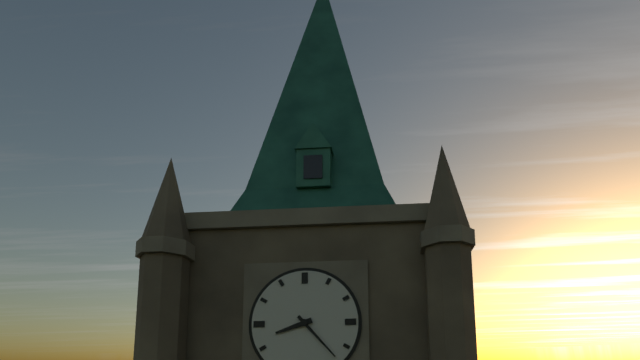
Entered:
8:23
